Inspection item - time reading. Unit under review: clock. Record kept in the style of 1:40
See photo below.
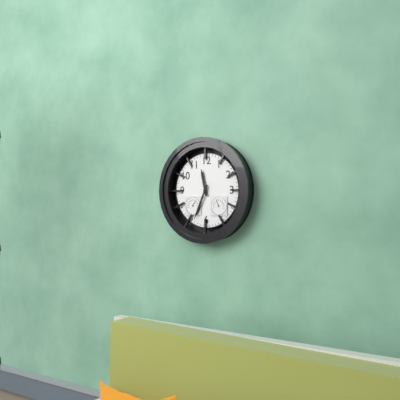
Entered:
11:34
